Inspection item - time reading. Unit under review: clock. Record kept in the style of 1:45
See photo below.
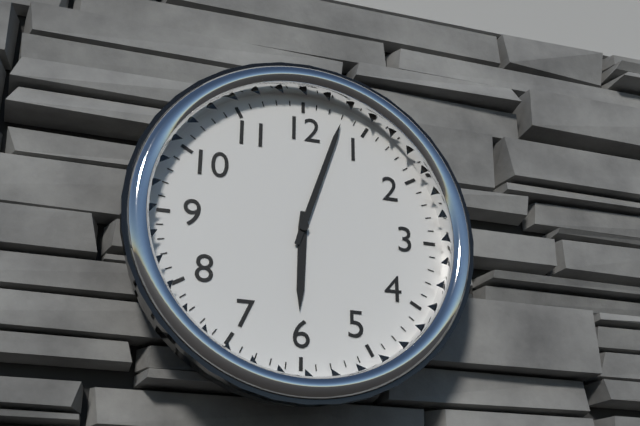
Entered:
6:03
